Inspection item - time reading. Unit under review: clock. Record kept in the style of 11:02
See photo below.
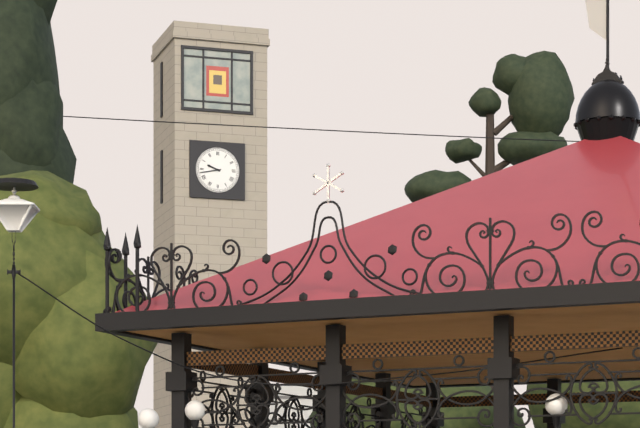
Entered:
9:43
